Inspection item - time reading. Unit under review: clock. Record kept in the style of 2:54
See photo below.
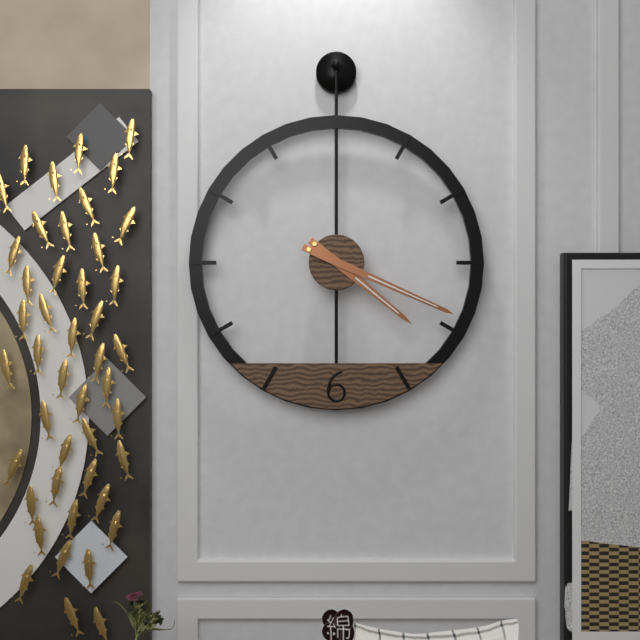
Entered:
4:19
